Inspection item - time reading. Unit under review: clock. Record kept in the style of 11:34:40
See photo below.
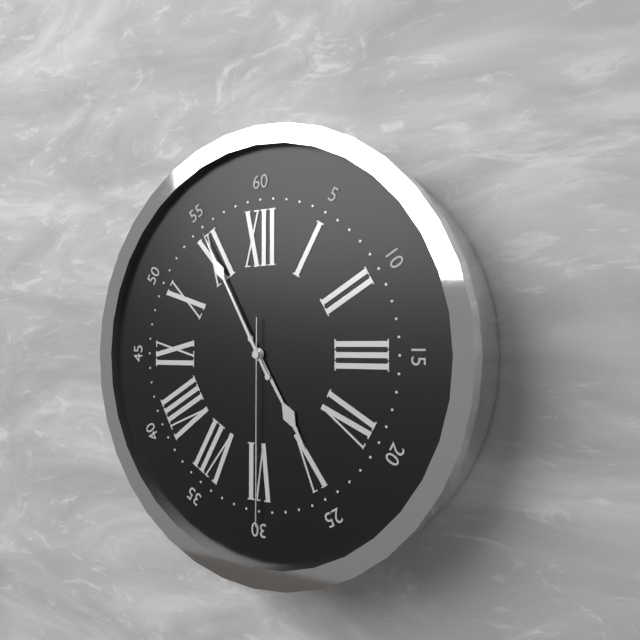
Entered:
4:55:30
